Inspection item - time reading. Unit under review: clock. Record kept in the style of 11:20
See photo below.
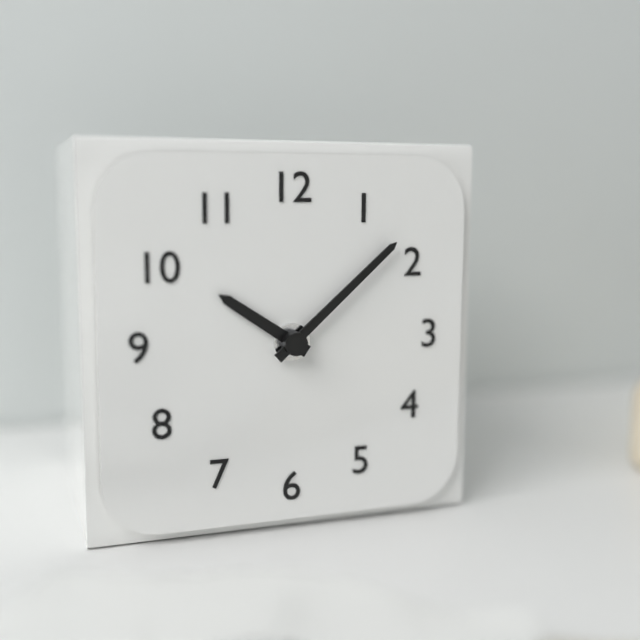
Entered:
10:08
